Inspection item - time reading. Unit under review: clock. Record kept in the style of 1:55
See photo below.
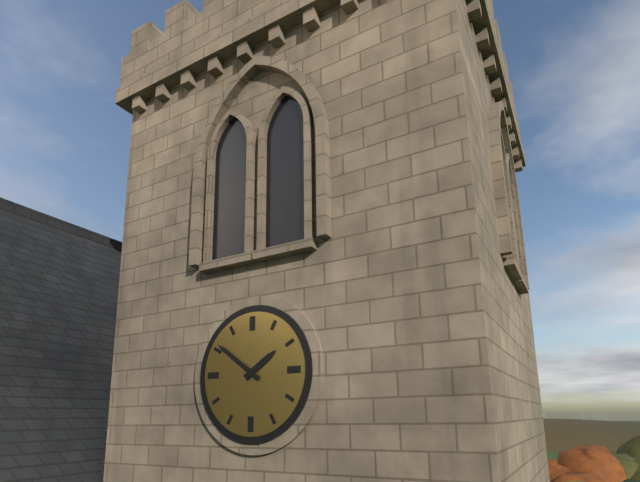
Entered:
1:51
